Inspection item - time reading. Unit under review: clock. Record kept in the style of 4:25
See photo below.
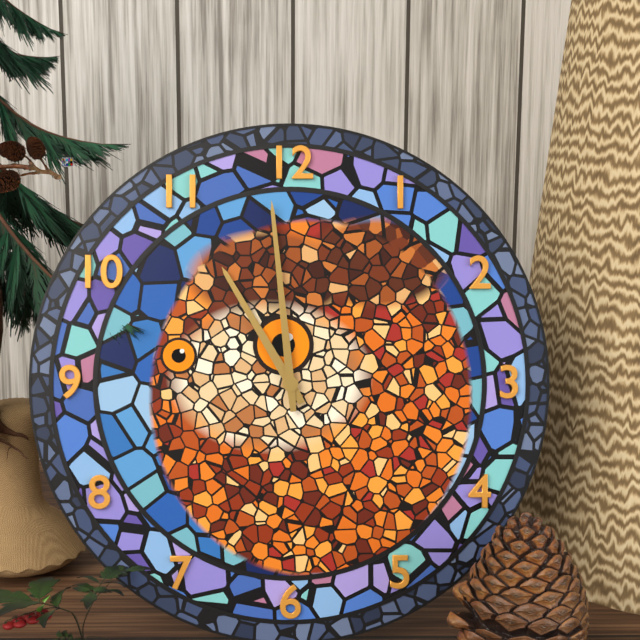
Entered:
10:59
